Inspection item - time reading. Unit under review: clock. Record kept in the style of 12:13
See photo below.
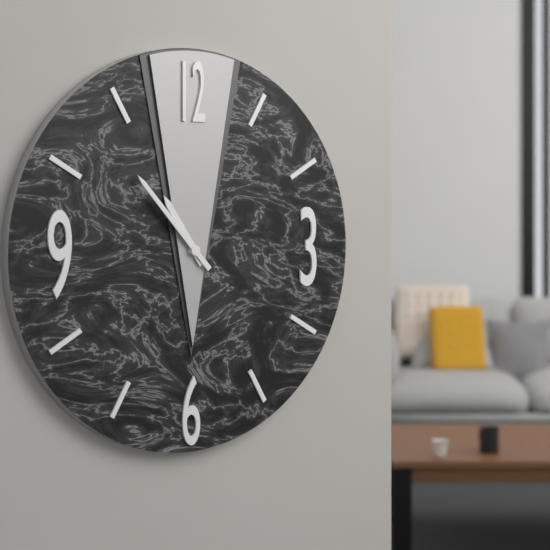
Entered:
10:53
